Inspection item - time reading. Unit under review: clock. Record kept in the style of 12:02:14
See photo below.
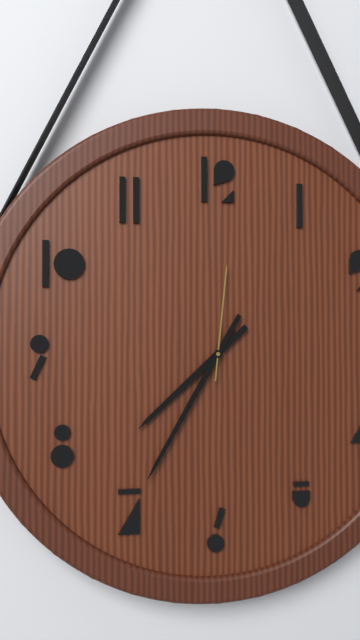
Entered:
7:35:01
